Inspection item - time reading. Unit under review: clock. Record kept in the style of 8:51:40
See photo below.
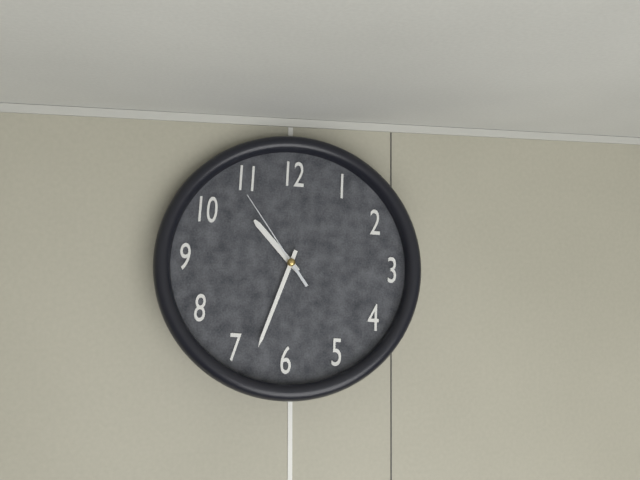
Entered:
10:33:54
